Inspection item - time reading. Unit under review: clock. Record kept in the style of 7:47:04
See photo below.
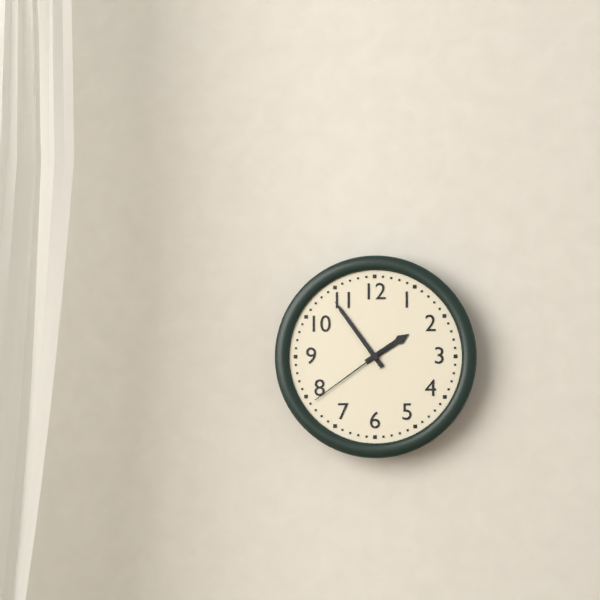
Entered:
1:54:39
